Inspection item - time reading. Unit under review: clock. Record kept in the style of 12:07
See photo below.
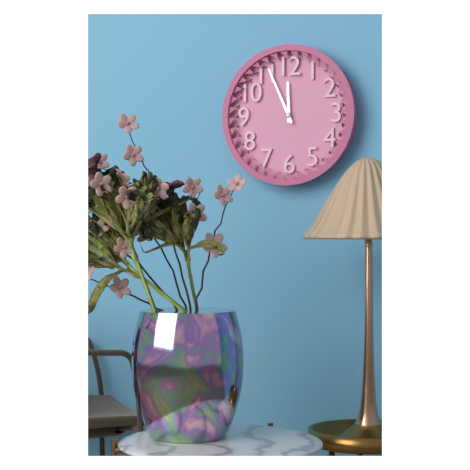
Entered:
11:56
